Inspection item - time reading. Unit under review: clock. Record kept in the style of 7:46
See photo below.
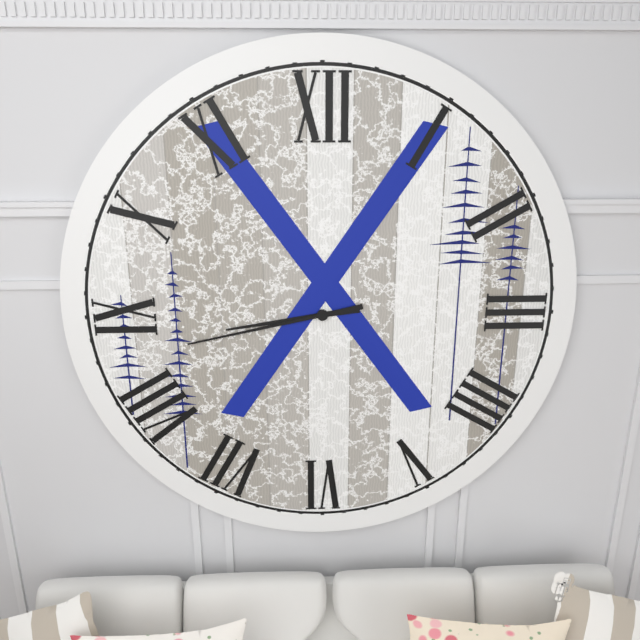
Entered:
8:43
